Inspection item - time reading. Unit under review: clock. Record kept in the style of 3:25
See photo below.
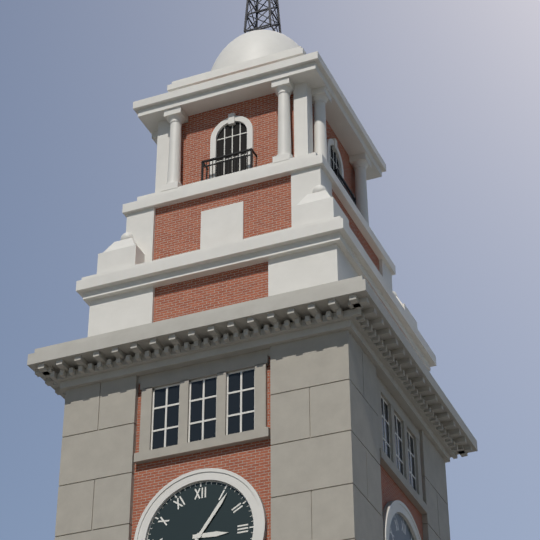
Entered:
3:06
